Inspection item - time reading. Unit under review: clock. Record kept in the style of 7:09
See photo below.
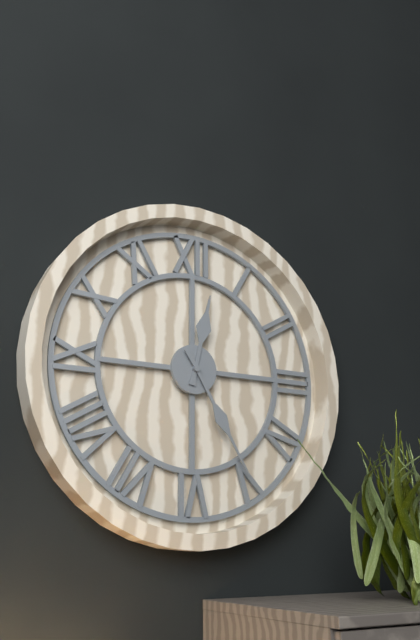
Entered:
12:25
